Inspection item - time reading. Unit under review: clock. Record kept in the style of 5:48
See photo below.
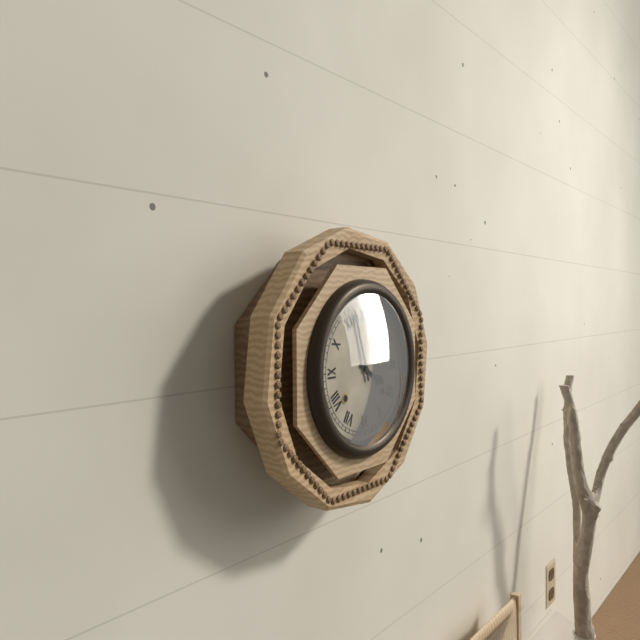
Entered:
3:57
